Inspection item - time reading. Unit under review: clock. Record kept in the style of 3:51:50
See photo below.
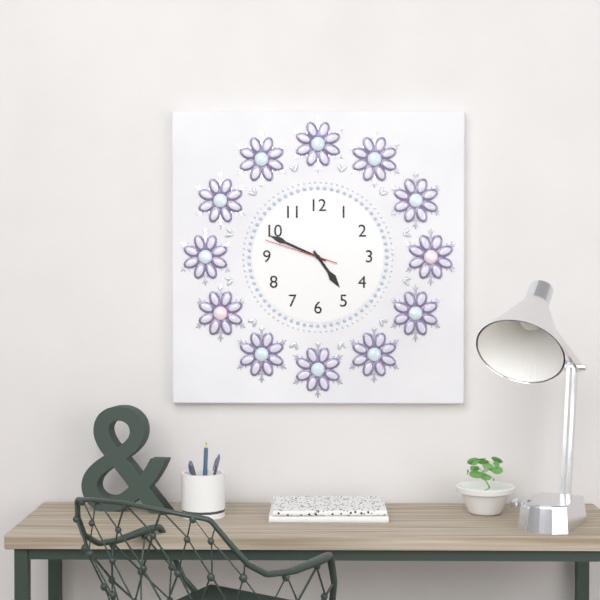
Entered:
4:49:48
